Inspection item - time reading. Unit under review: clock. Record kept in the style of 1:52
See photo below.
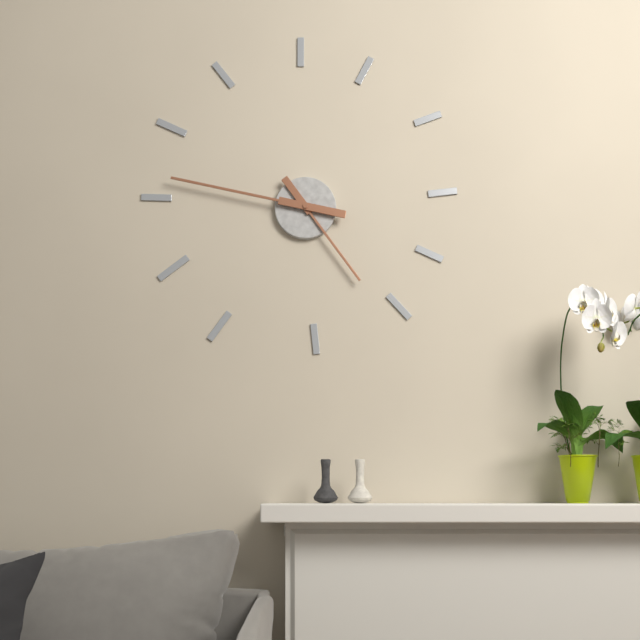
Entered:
4:47
